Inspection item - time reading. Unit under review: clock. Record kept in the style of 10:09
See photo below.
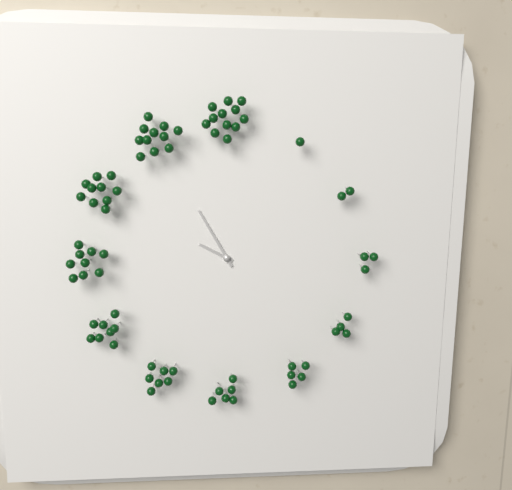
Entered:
9:55
